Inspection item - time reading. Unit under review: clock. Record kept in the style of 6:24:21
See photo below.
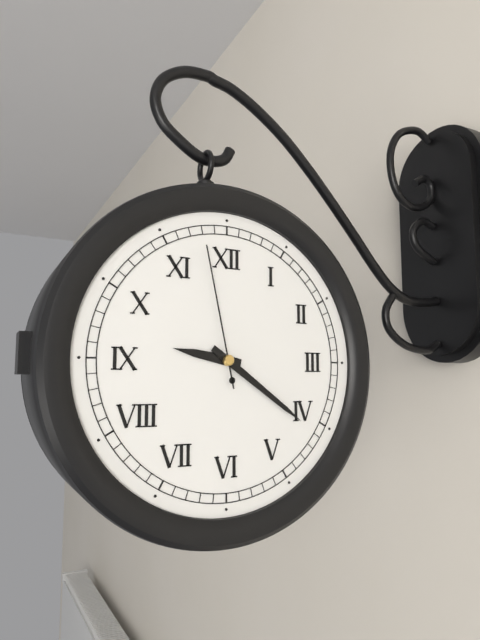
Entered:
9:21:58
